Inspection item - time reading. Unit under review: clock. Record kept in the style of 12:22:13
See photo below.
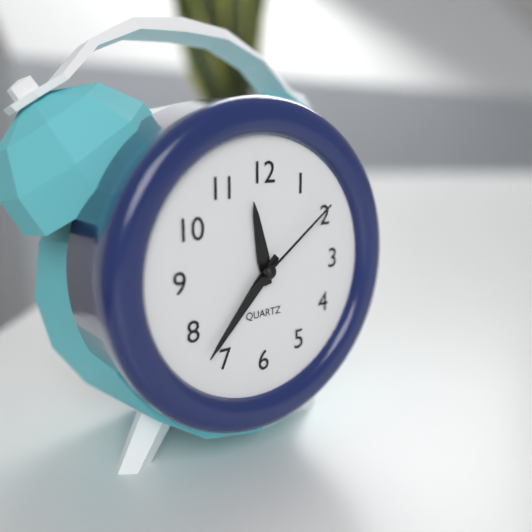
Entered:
11:37:09
